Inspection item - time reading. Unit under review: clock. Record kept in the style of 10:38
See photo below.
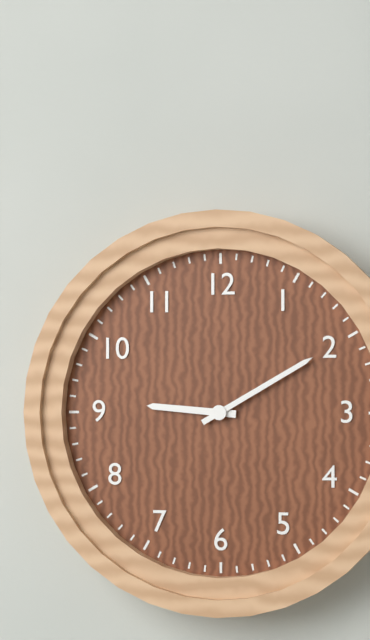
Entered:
9:10
